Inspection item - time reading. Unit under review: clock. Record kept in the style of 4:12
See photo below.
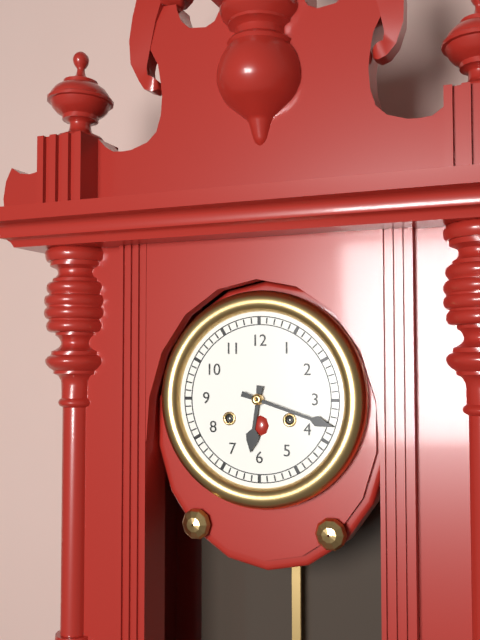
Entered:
6:18
